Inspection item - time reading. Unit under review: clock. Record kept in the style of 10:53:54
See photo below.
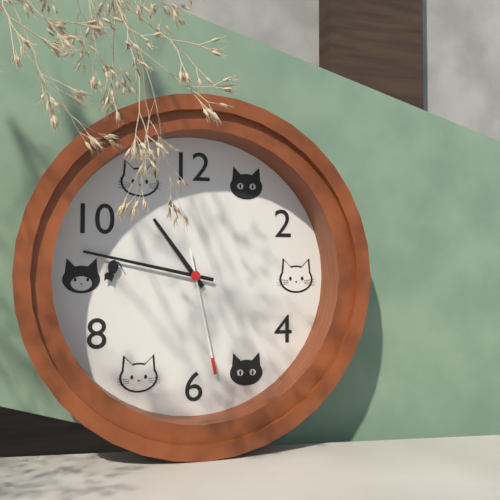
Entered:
10:47:28
